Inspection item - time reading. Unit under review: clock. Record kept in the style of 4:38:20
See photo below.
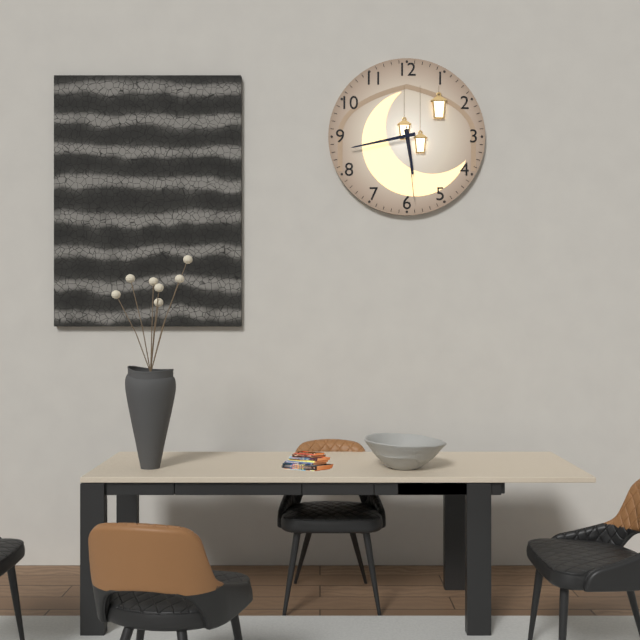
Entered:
5:43:29
